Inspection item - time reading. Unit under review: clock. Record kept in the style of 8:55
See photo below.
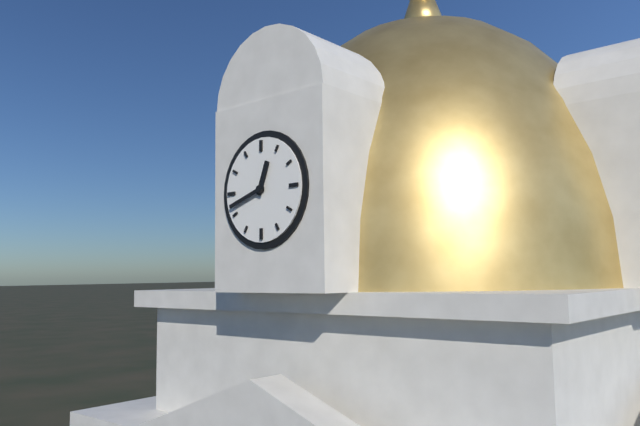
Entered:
12:42
